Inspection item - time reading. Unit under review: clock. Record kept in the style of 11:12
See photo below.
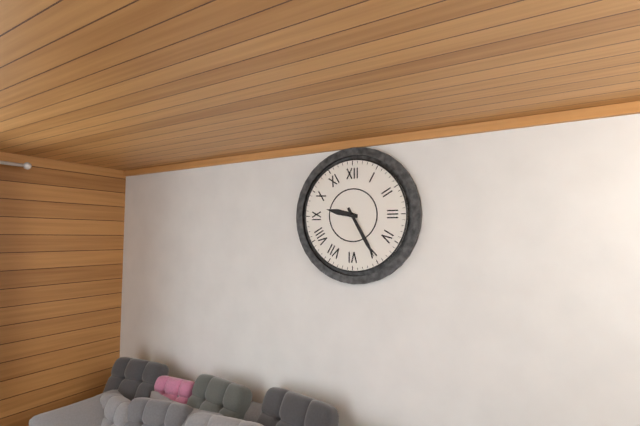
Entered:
9:25
